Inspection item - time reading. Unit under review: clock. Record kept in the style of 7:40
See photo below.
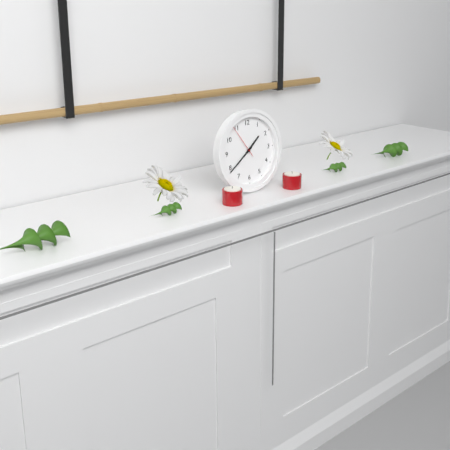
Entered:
1:39
